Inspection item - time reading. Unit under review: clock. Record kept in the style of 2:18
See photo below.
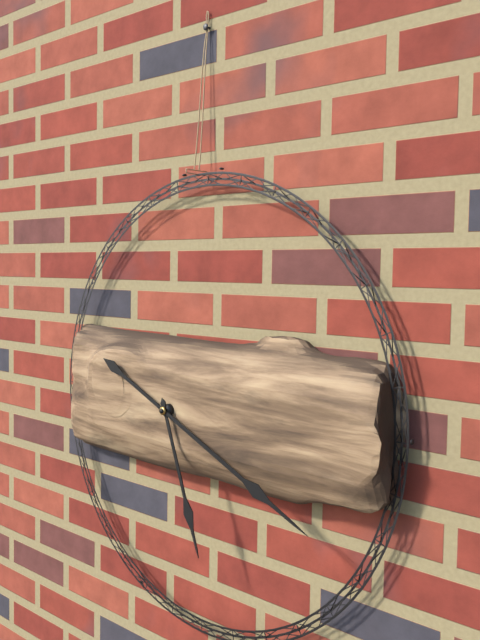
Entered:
5:19
